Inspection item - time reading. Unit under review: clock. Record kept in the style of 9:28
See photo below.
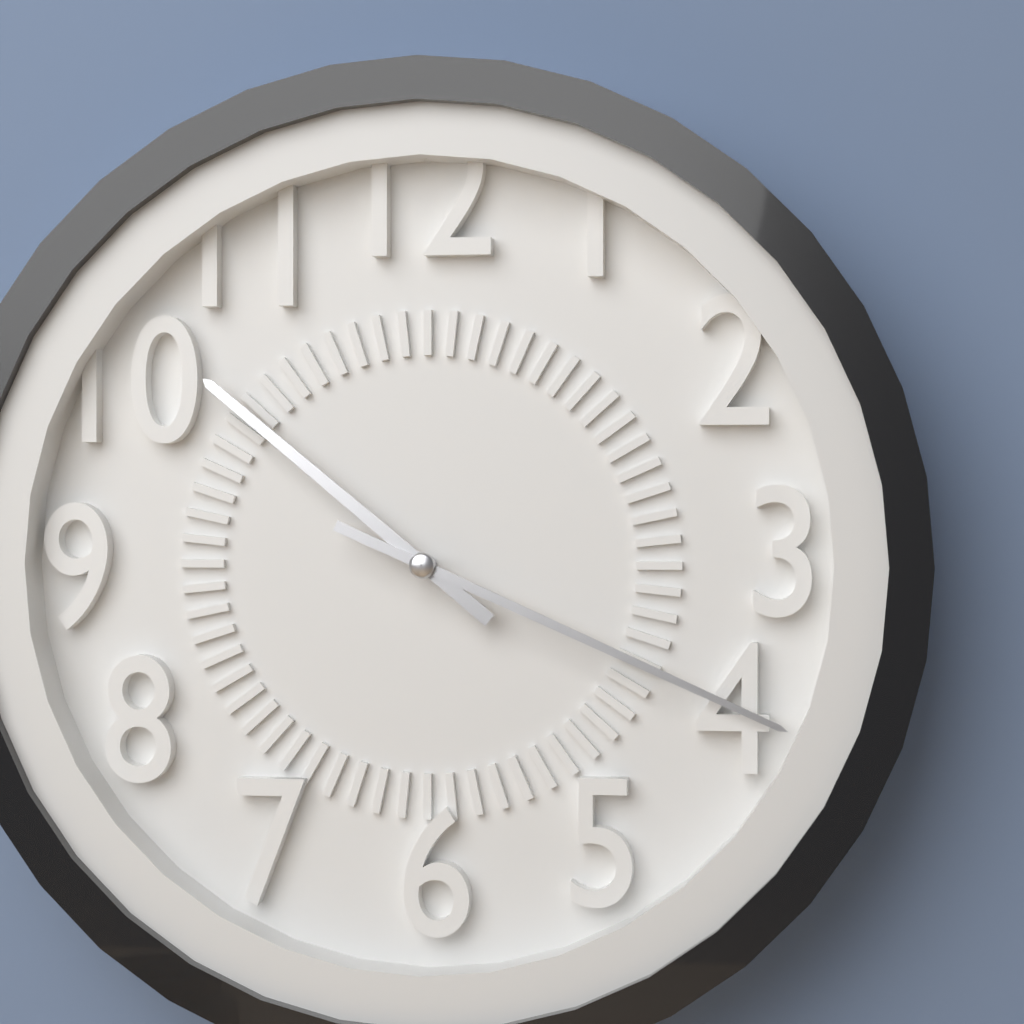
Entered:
10:19
